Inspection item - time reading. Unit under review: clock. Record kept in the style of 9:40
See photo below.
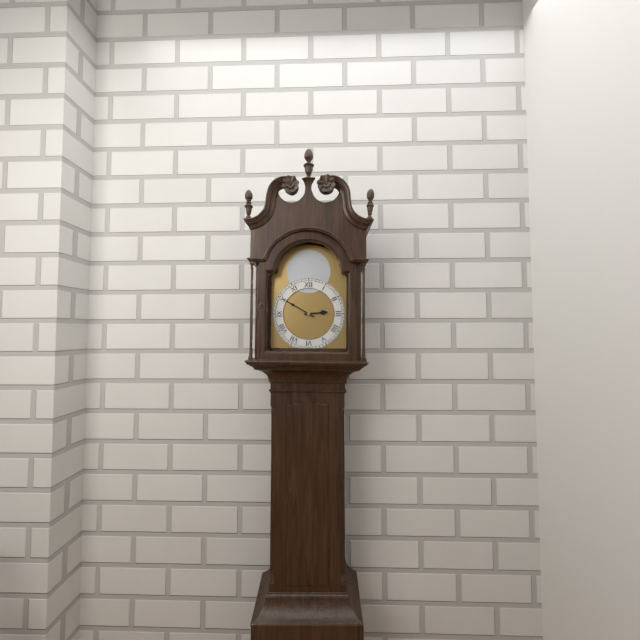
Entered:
2:50
